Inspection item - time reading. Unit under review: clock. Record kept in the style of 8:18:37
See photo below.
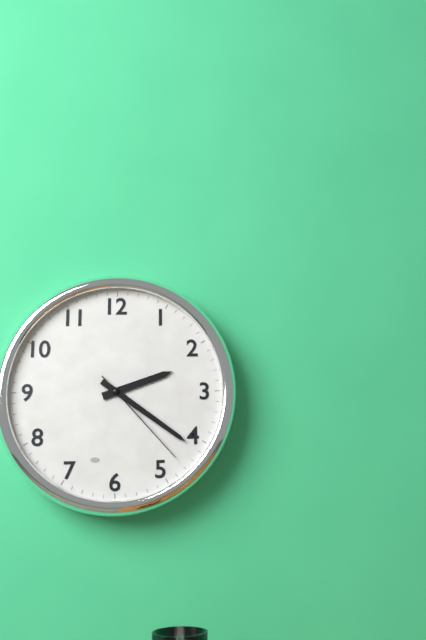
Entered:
2:21:23
